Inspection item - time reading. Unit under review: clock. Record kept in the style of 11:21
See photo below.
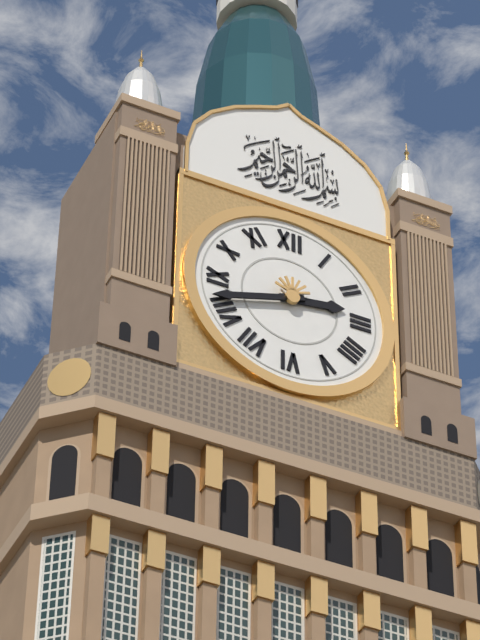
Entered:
2:42
